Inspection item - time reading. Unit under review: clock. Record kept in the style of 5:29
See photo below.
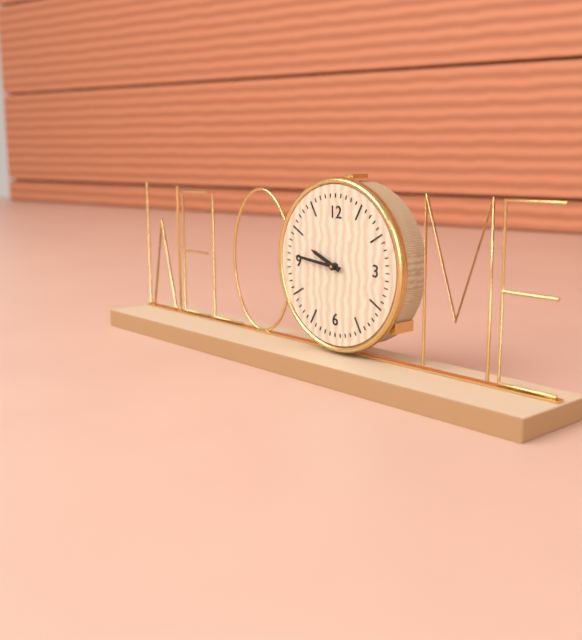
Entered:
9:46
